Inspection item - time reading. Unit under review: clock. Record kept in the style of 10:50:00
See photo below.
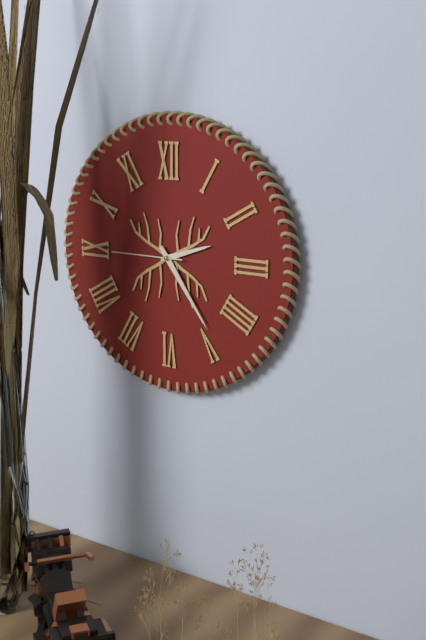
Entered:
2:24:45
